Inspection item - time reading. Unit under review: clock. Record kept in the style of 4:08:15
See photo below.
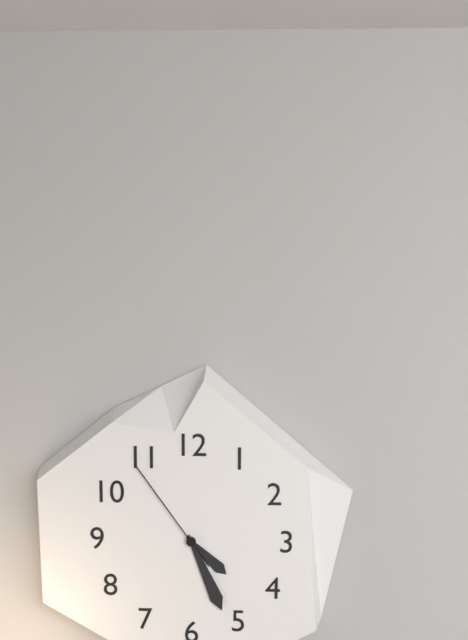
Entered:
4:26:54
